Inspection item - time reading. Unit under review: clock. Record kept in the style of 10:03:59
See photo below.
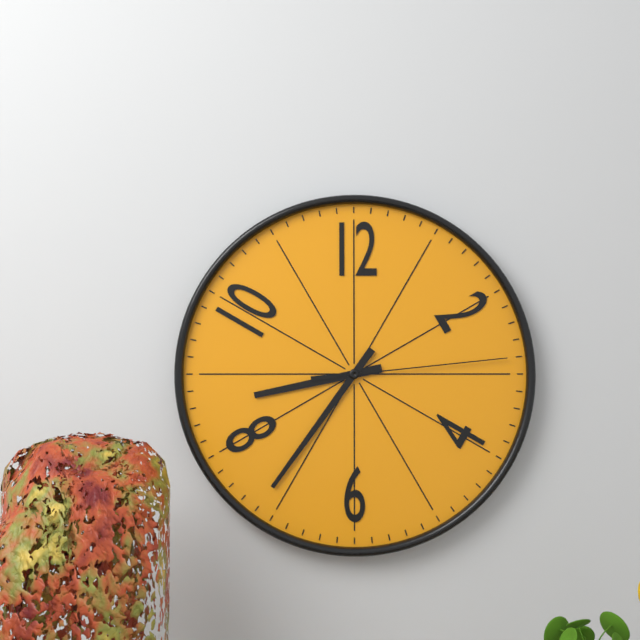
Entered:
8:36:14
